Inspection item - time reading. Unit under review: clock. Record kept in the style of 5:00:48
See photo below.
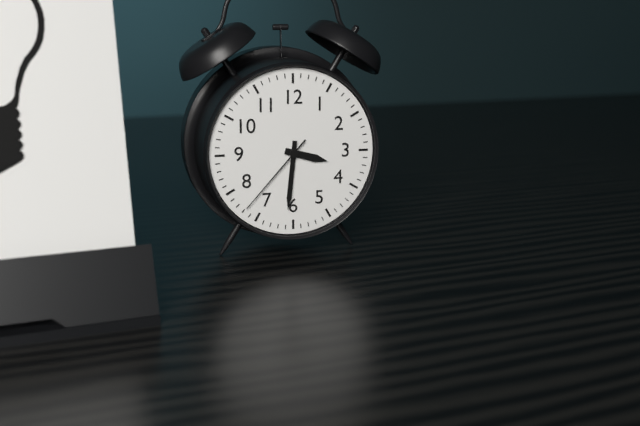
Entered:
3:31:37
